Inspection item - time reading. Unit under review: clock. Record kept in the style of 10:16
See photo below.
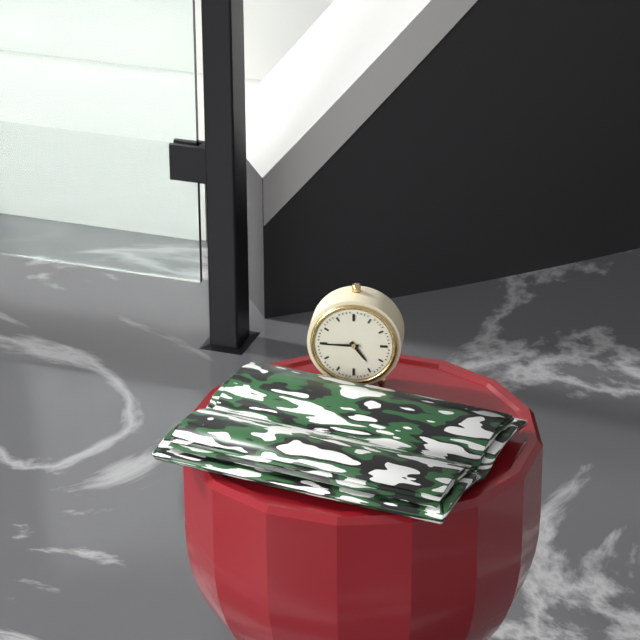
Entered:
4:45
